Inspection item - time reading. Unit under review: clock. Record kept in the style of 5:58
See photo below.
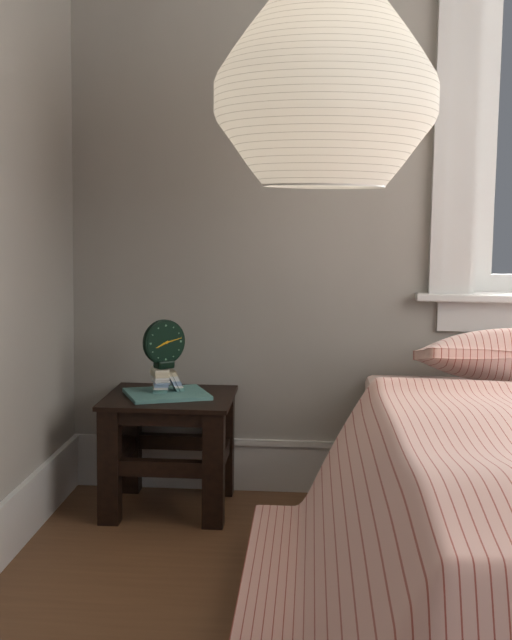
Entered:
8:13
